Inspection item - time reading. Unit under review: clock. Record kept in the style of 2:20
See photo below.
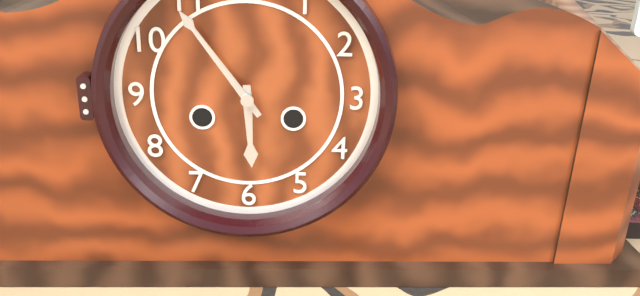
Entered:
5:54
